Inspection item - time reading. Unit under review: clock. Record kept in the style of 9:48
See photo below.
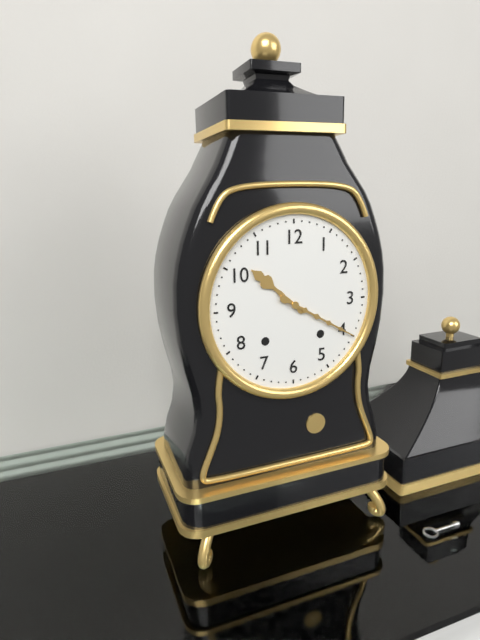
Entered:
10:20
